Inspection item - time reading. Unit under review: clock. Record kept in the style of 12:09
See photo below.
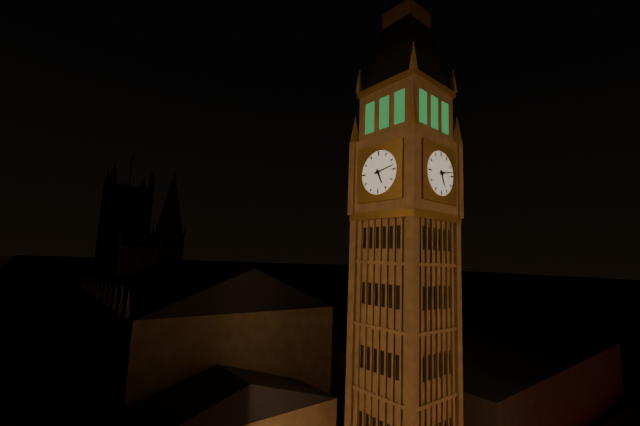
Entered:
5:13
